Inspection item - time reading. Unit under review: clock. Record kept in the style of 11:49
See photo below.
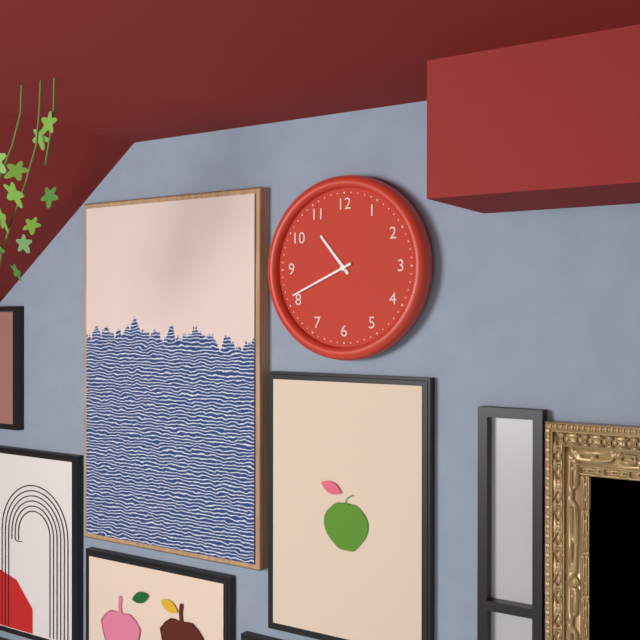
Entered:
10:41
